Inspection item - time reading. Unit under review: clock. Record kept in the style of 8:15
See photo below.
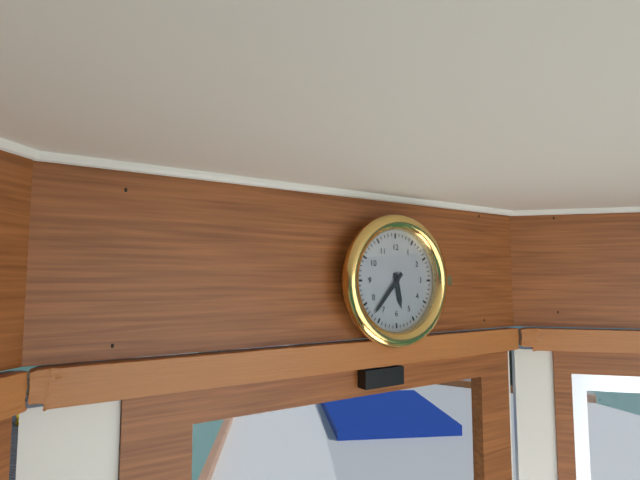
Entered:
5:37
